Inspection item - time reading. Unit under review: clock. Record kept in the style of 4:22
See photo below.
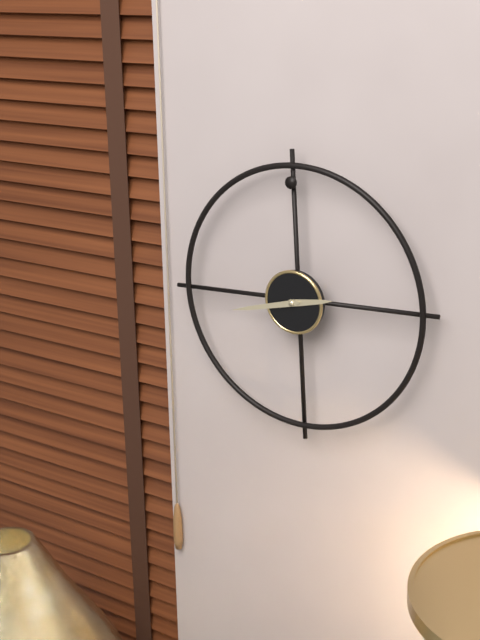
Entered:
2:43
